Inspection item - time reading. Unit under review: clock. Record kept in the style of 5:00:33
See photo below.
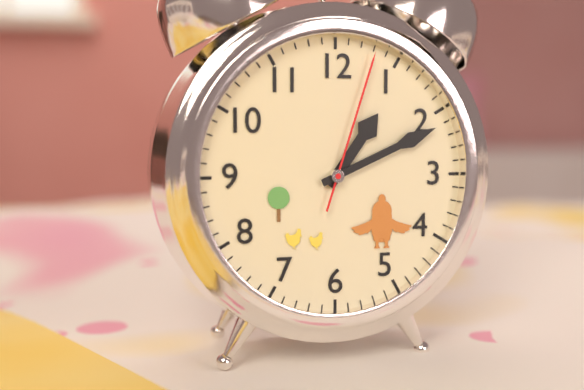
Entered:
1:11:03
